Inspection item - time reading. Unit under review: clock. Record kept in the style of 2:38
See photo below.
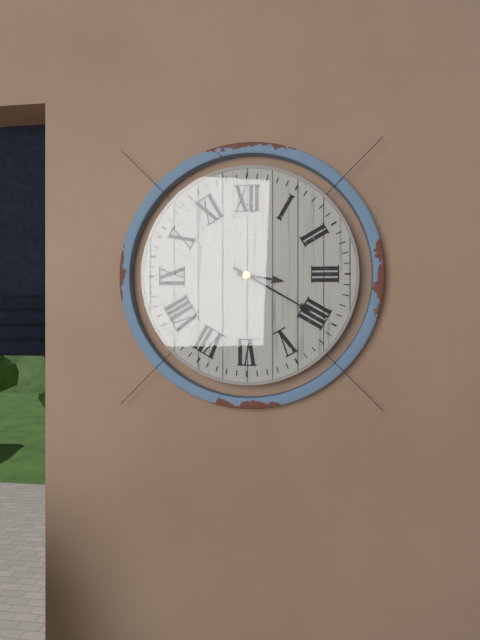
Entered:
3:20
